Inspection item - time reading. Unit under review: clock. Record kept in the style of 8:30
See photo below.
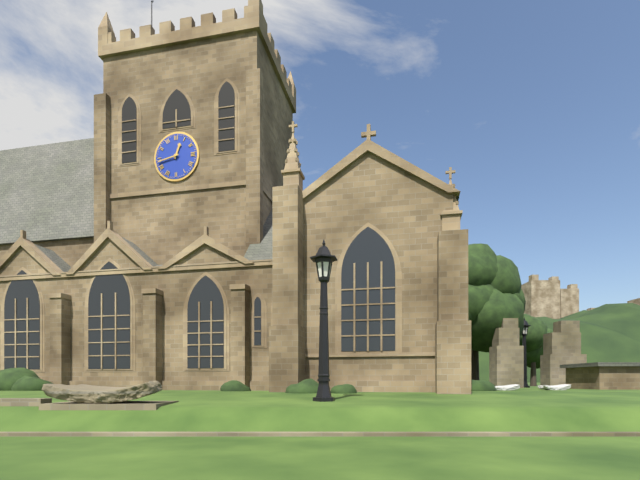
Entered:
12:43
